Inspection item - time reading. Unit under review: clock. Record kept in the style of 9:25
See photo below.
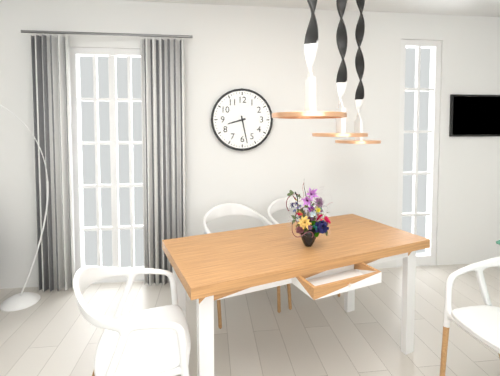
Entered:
8:28
